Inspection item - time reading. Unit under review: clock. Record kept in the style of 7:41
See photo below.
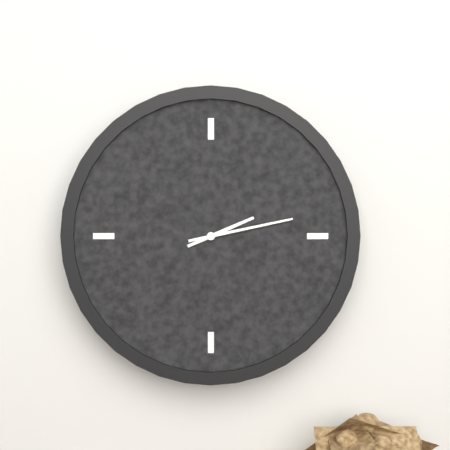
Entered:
2:13
